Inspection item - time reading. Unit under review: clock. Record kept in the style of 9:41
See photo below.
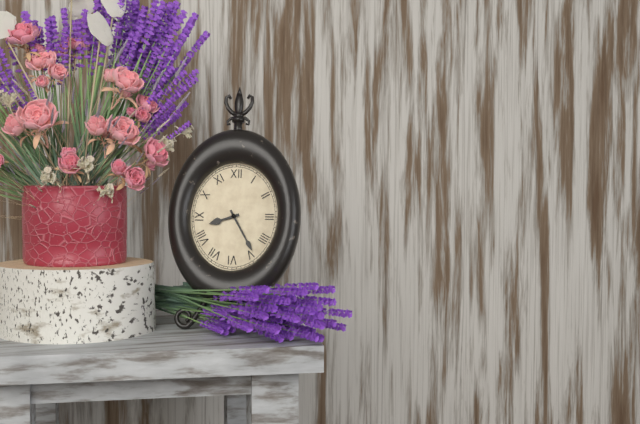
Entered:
8:25
